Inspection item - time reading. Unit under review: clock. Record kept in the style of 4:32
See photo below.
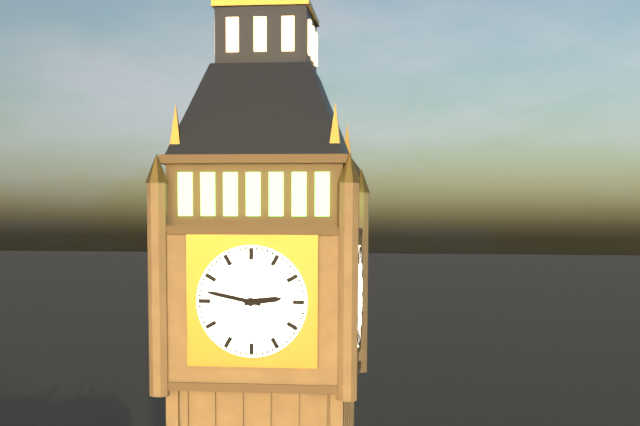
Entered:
2:47
